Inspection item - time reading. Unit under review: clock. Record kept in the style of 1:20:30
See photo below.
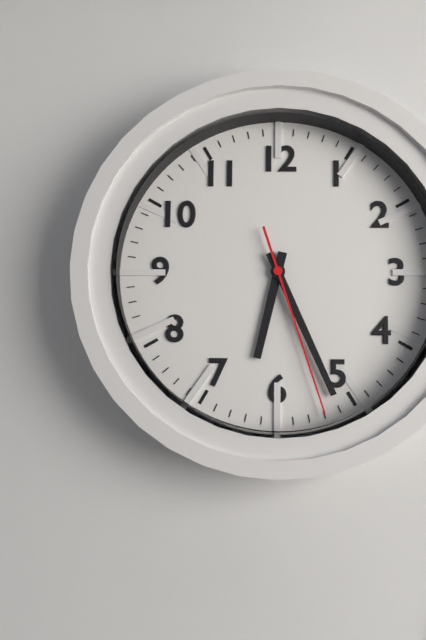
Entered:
6:26:27
